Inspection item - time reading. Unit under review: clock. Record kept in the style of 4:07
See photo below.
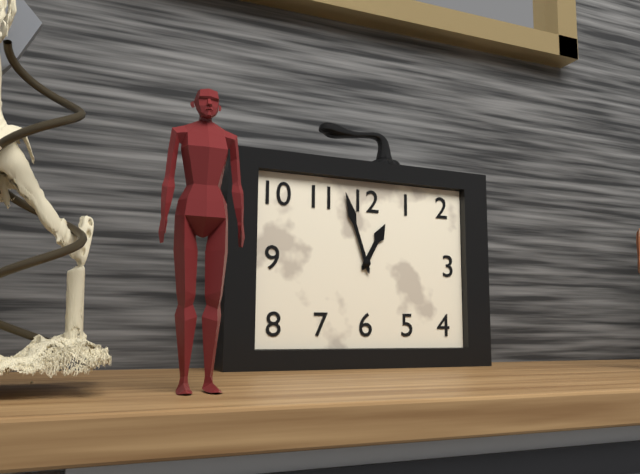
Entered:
12:57
